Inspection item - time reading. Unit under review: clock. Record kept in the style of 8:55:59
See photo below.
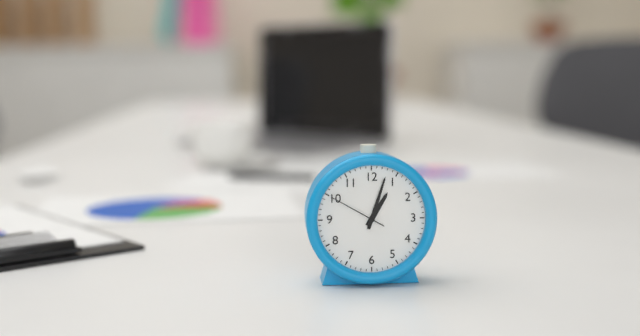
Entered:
1:03:50
